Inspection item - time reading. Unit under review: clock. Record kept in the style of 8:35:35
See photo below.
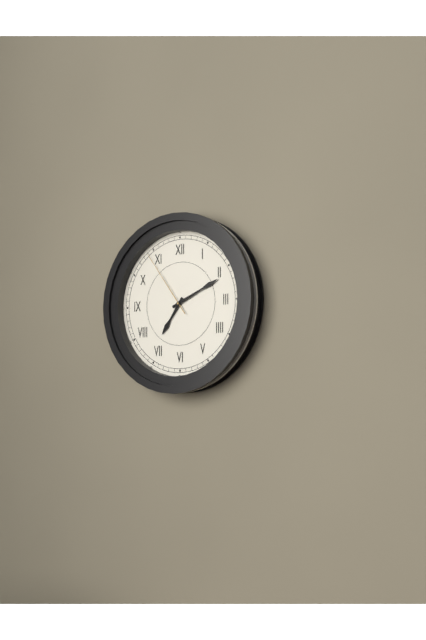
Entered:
7:11:54
